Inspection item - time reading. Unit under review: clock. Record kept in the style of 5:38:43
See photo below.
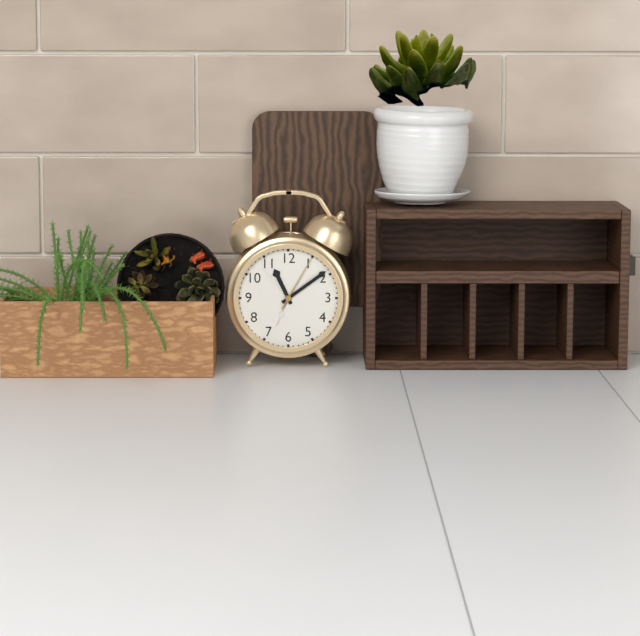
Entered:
11:09:05
